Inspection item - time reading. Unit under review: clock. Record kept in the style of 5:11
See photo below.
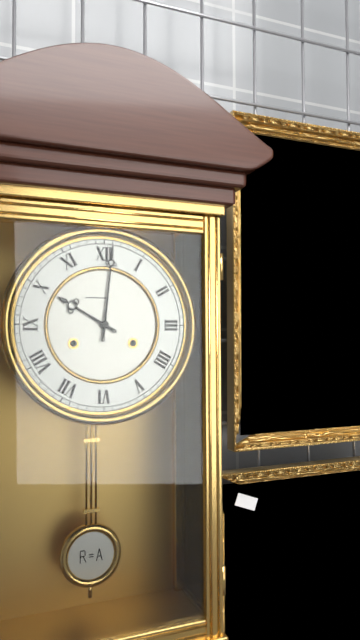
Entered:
10:01
